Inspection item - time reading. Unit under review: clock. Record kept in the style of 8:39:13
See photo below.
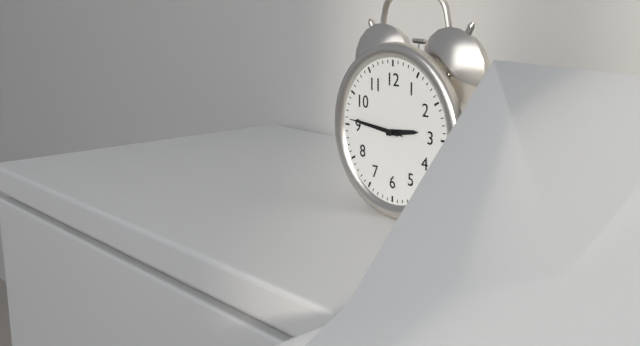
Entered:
2:46:46
